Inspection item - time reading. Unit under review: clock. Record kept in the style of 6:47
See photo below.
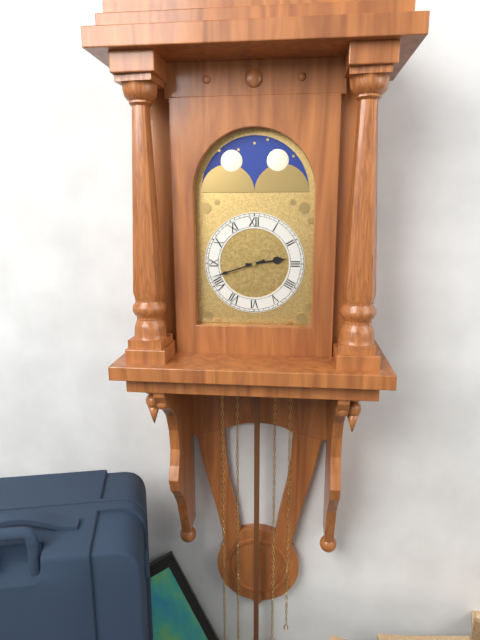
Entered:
2:42
